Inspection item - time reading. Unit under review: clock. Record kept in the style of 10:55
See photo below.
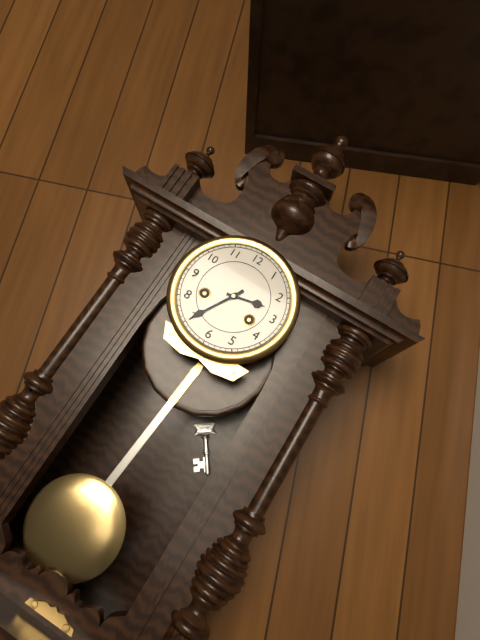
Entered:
2:35
